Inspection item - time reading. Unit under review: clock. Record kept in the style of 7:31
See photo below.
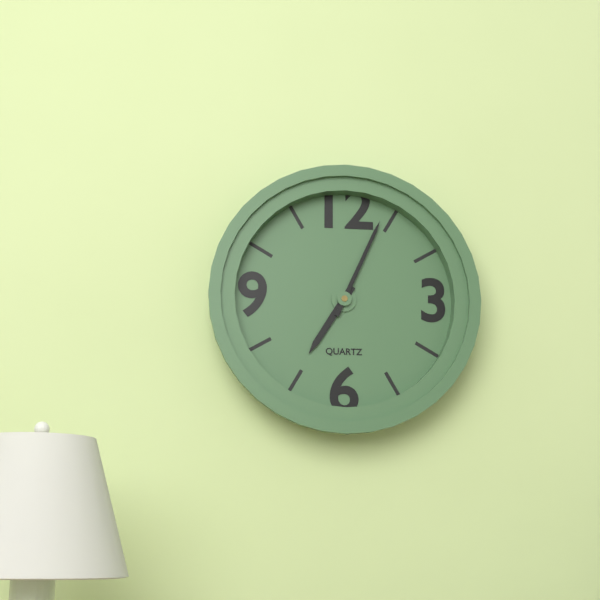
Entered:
7:04
